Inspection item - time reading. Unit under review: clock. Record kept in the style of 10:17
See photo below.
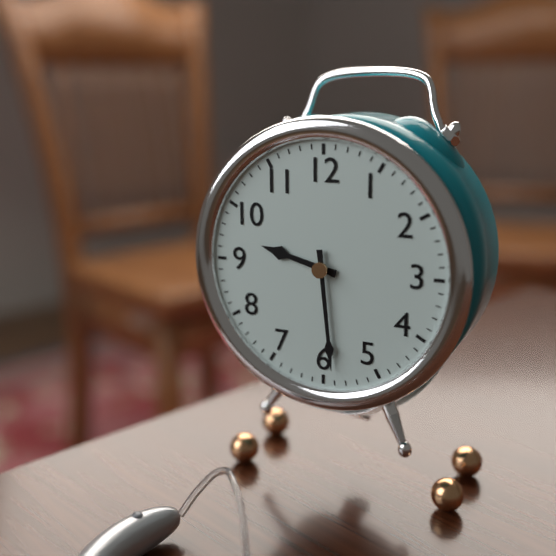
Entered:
9:29
